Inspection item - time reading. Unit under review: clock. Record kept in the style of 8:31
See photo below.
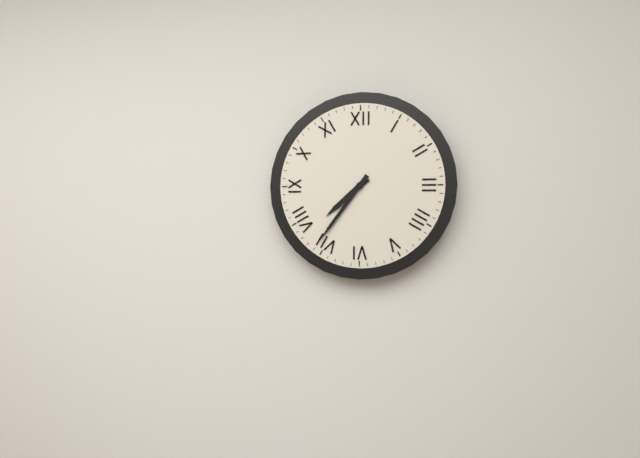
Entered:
7:36
